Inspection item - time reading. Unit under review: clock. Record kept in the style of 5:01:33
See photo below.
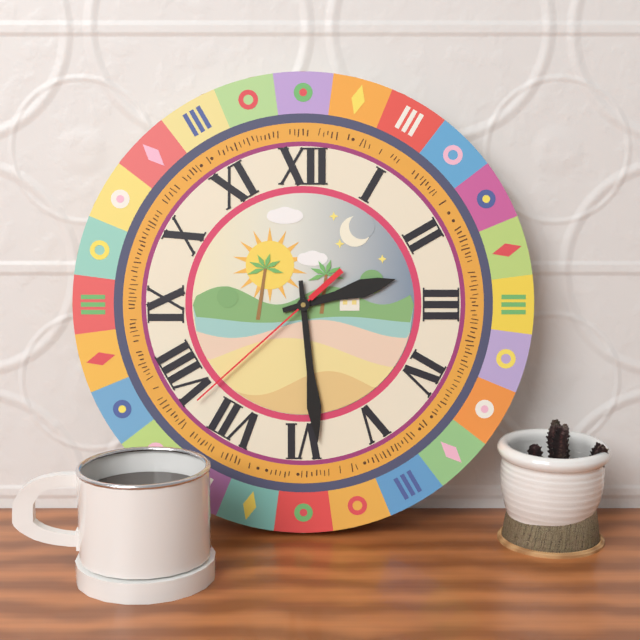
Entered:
2:29:38
